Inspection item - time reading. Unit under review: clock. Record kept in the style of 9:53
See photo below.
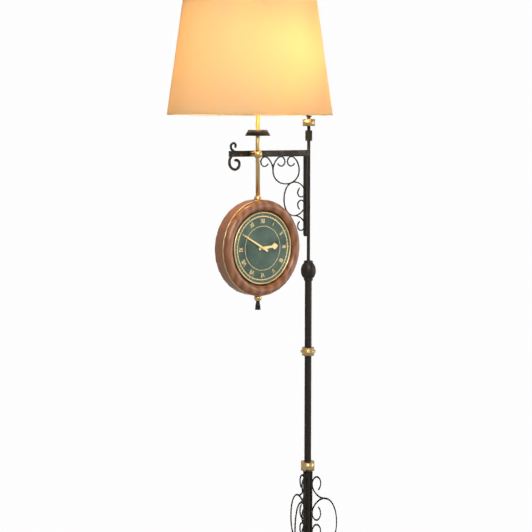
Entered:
2:50
